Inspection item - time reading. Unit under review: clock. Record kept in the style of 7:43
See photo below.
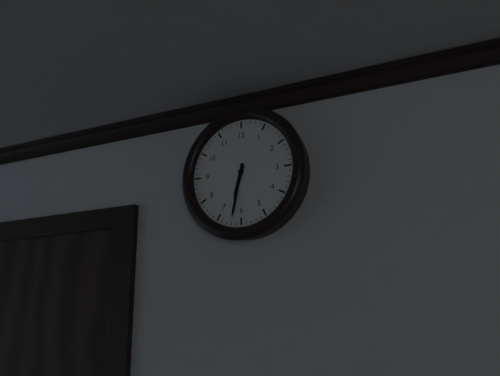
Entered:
6:32
